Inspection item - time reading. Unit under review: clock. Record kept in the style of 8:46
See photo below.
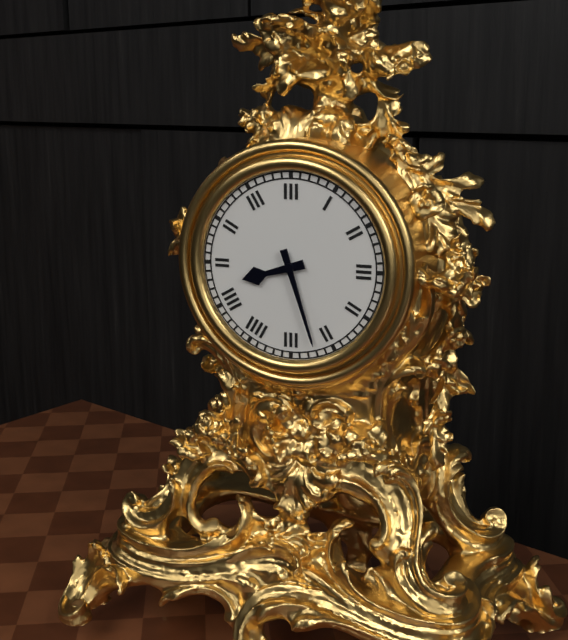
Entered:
8:27
